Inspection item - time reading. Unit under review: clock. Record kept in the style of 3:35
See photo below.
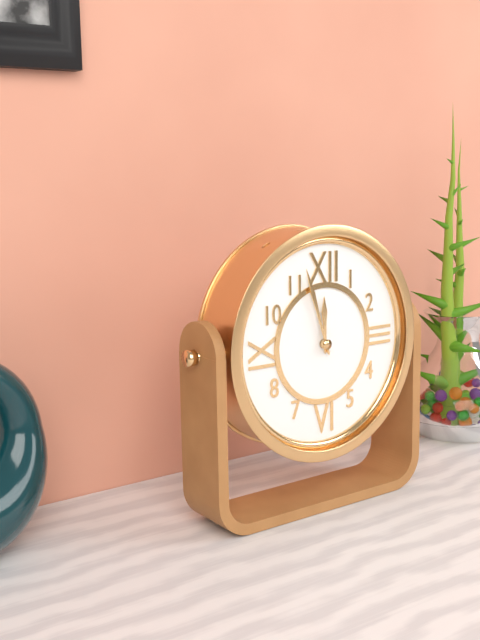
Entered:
11:57
